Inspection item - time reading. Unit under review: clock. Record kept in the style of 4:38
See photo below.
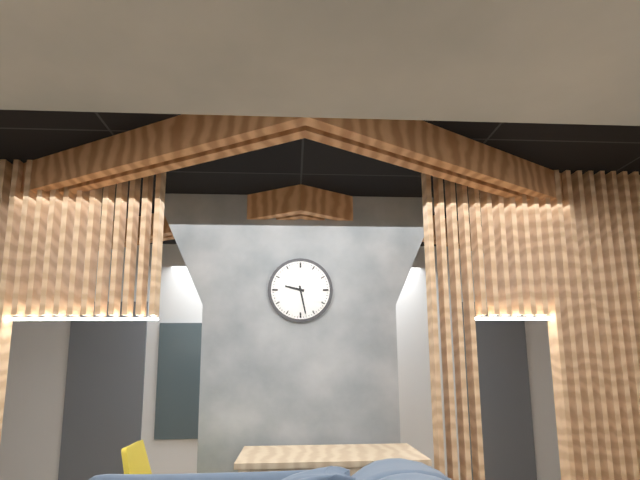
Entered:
9:28
